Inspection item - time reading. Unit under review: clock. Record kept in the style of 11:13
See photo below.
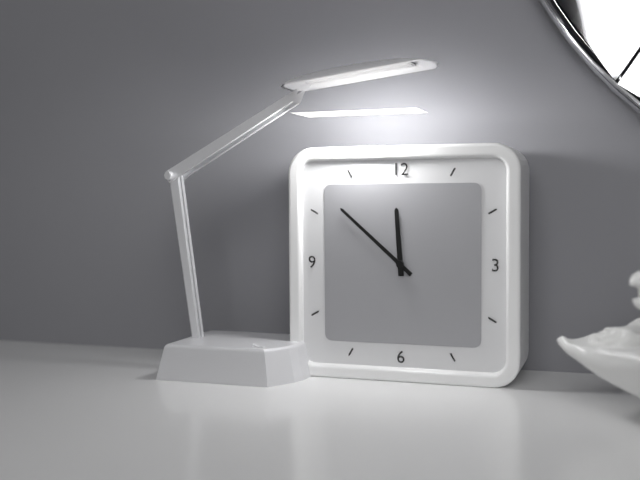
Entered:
11:52
